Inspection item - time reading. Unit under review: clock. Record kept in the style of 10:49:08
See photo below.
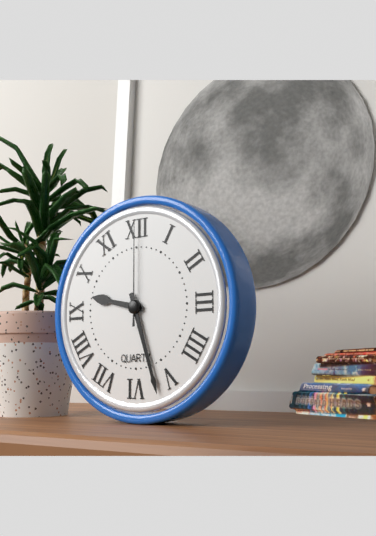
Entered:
9:27:00
